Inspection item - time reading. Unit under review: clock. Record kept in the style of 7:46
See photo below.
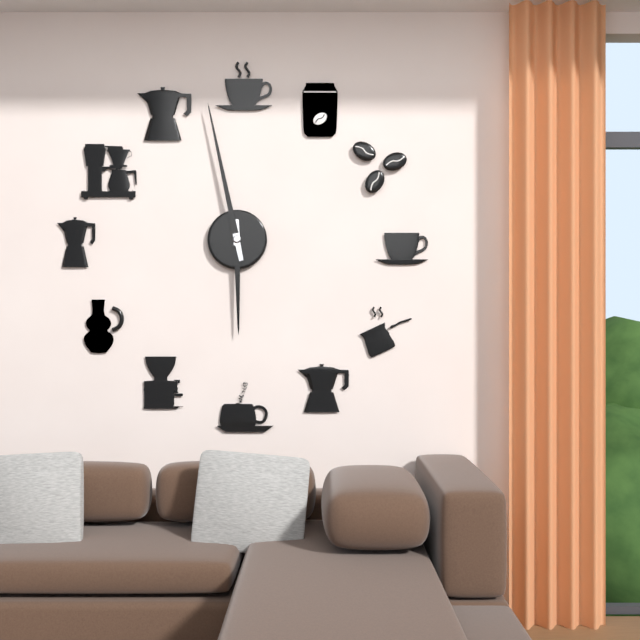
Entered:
5:58
